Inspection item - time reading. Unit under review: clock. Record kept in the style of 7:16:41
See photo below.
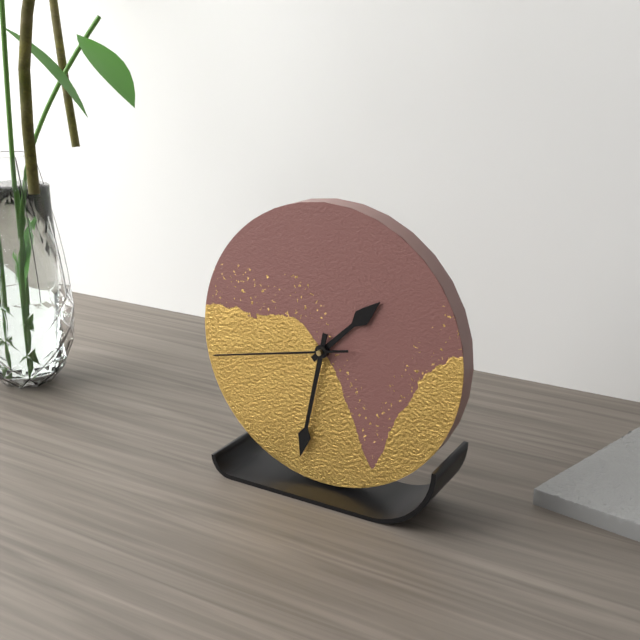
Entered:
1:32:43
